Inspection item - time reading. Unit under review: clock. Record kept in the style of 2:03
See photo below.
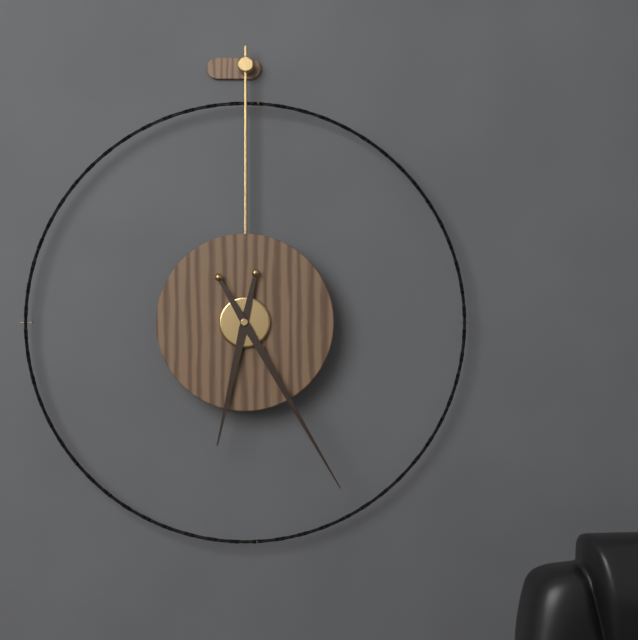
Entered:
6:25
